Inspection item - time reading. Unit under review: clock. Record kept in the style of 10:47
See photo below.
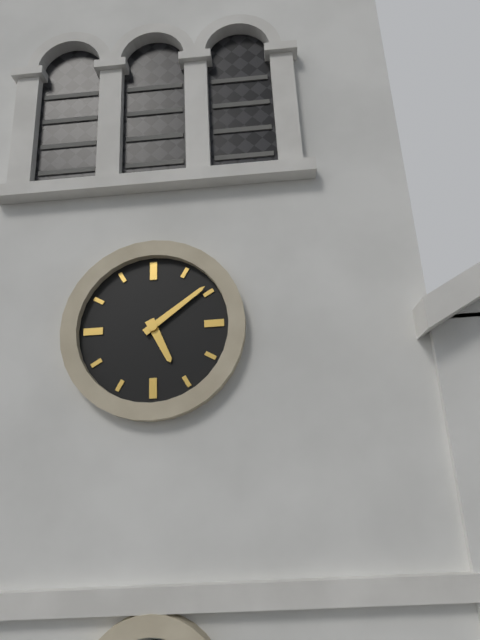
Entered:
5:09
